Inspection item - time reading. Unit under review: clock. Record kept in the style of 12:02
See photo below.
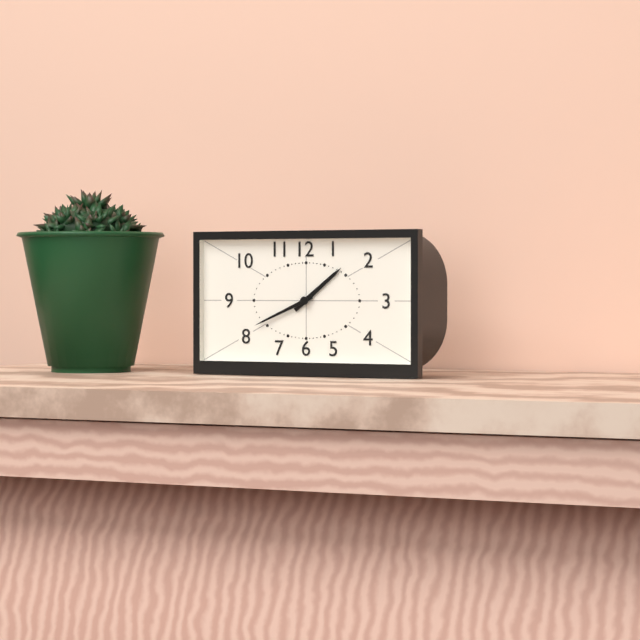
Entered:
1:41
